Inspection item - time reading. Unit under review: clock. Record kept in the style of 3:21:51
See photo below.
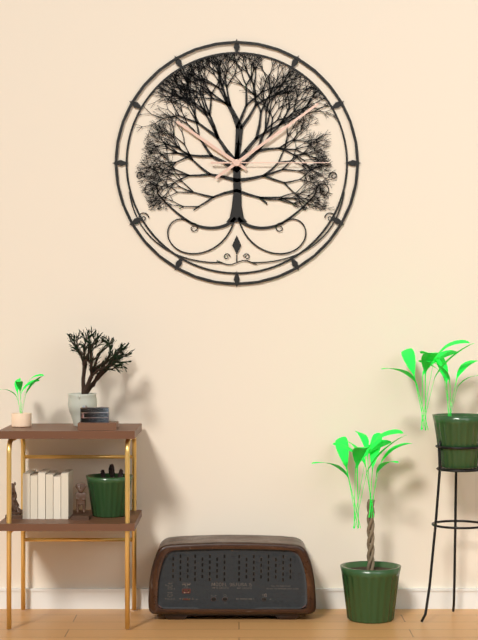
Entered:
10:09:15
